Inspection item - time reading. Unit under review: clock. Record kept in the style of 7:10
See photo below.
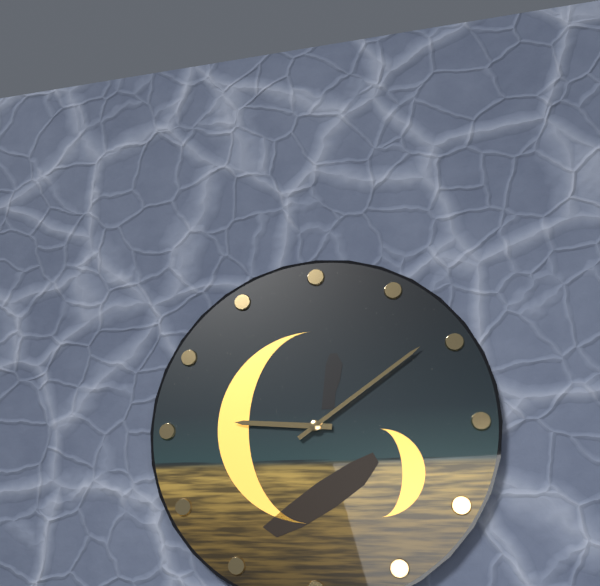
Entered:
9:09
